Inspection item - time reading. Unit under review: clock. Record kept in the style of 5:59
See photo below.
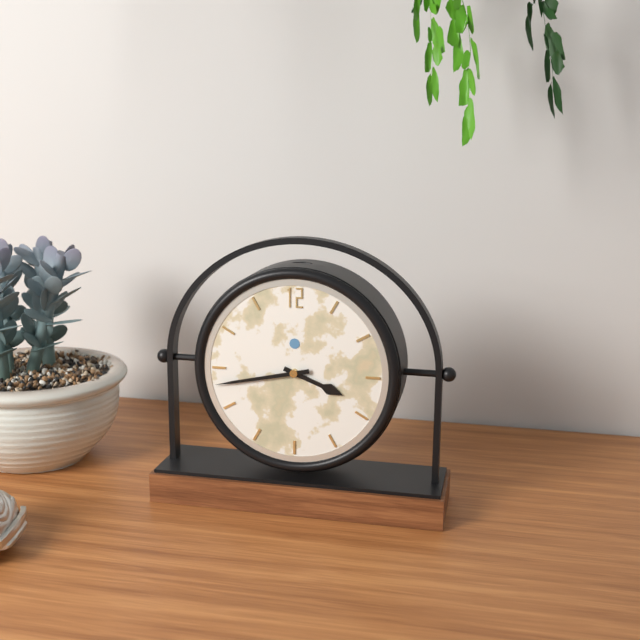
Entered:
3:43
